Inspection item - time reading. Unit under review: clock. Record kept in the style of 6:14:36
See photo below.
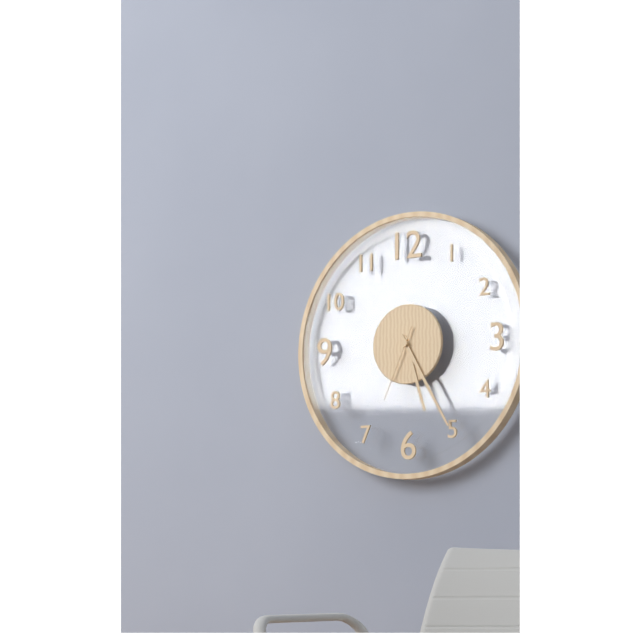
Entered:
5:25:34
